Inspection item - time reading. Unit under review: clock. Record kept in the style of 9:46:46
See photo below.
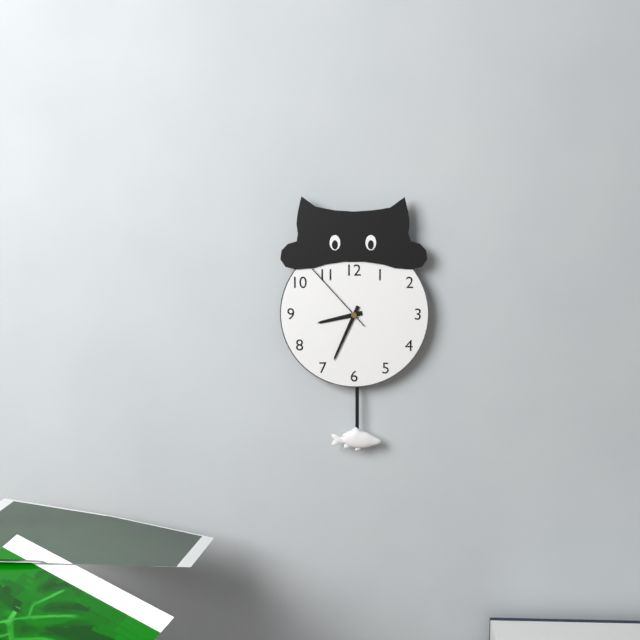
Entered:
8:34:53
